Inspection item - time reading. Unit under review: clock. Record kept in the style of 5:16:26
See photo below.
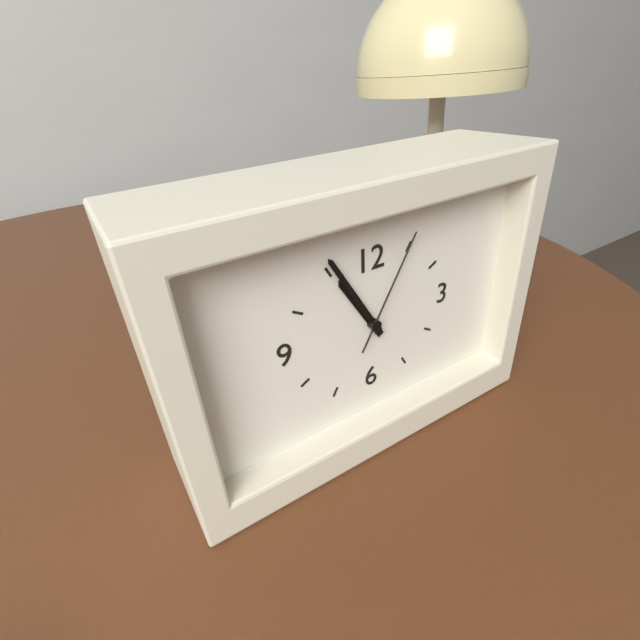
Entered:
10:55:05
